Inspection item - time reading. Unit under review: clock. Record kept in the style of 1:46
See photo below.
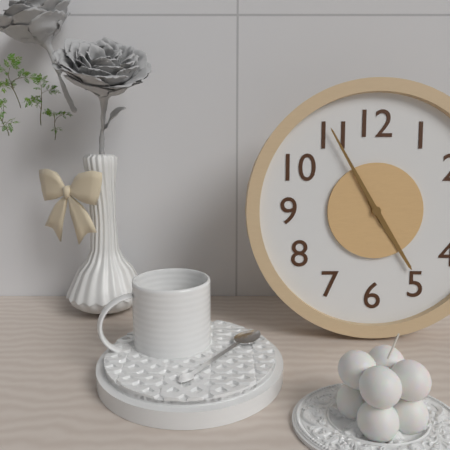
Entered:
4:55
